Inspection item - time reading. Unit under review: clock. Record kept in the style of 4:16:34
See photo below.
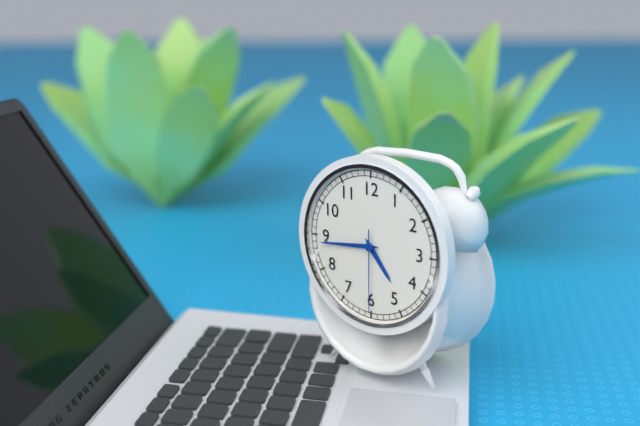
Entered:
4:44:30
